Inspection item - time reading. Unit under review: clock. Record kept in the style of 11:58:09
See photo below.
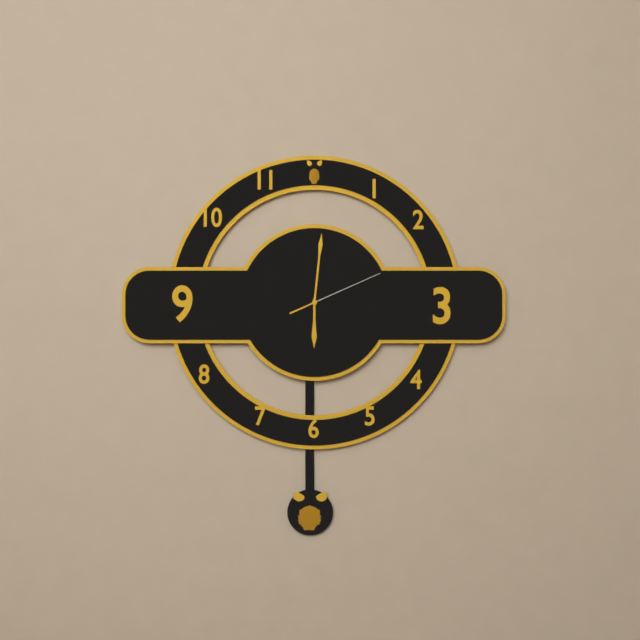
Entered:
6:01:11
